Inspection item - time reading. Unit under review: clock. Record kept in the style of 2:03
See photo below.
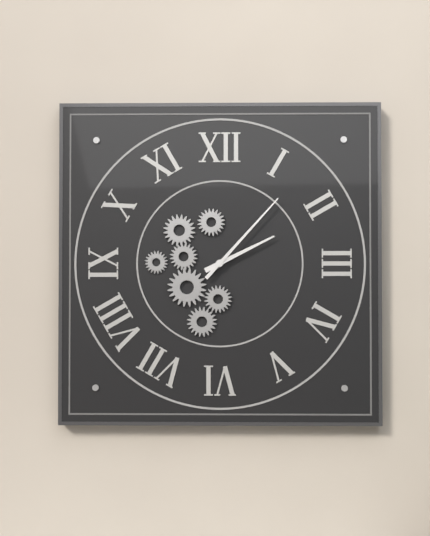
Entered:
2:07
